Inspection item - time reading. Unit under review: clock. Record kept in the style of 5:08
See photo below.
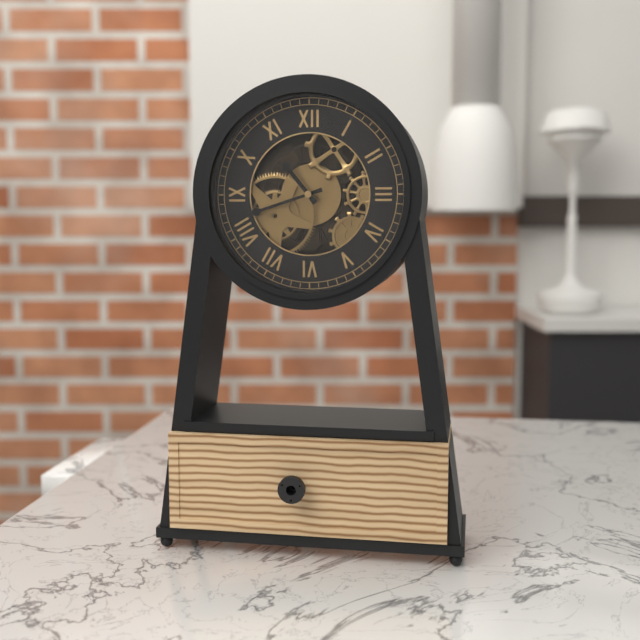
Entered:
10:42
